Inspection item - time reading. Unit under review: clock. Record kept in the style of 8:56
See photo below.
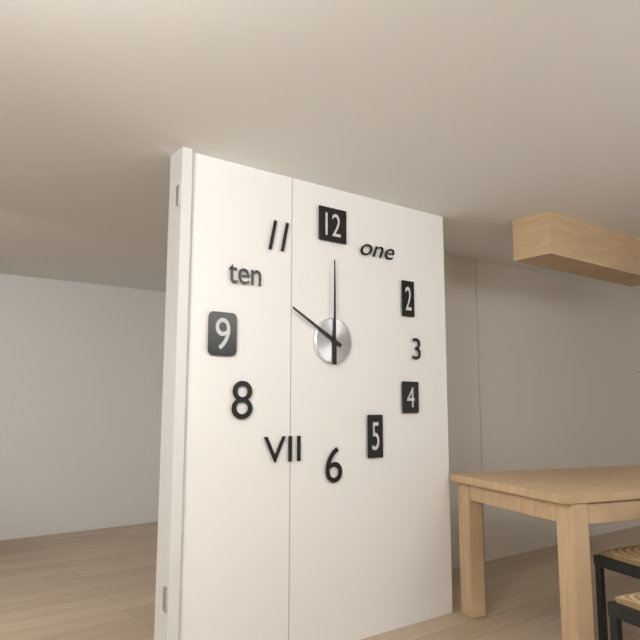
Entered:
10:00
